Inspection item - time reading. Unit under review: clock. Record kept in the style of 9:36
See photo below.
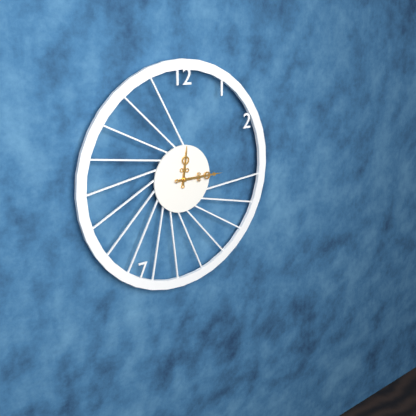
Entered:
12:15
